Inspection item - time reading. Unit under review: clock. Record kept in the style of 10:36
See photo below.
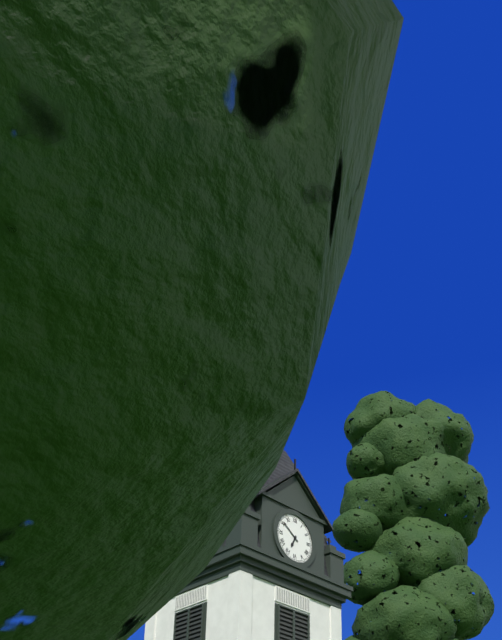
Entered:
6:51
